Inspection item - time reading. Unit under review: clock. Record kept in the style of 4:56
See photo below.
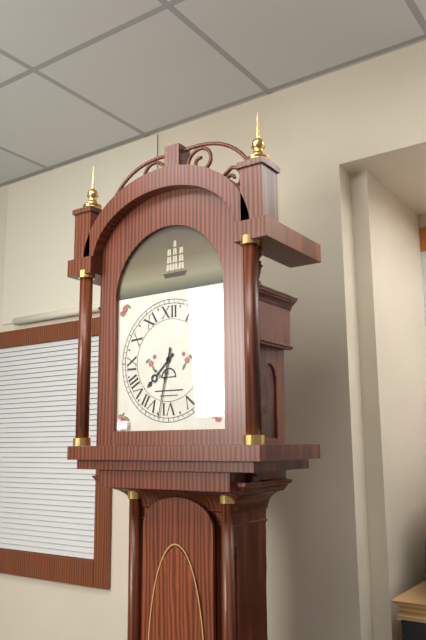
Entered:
7:32
